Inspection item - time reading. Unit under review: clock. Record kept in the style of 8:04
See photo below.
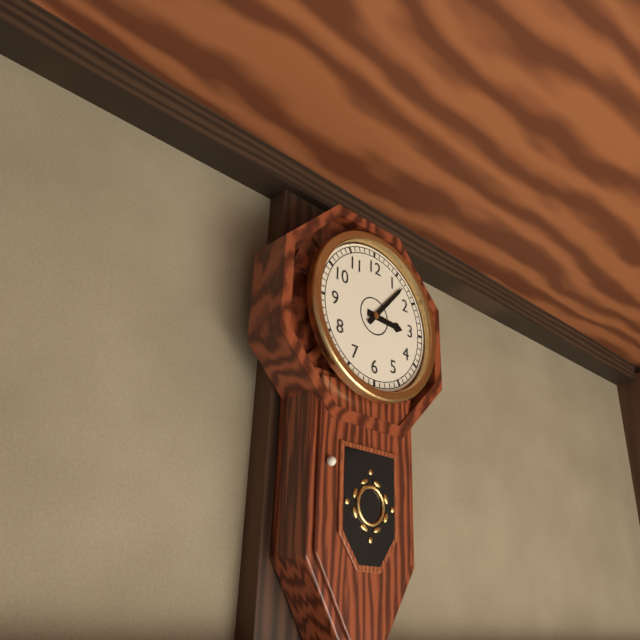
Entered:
3:07
